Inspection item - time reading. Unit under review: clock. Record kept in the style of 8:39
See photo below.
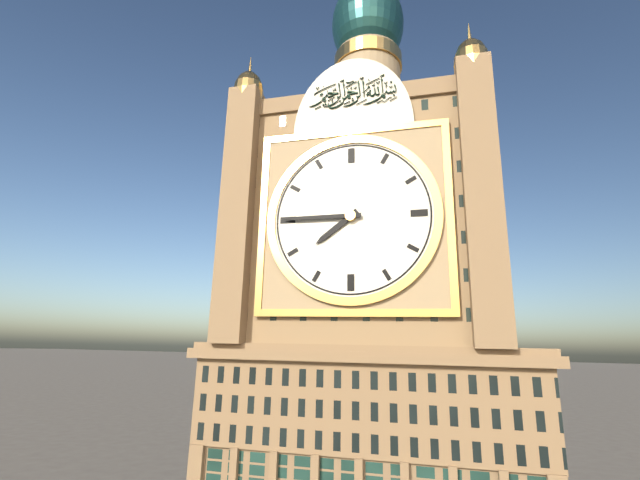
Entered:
7:45
